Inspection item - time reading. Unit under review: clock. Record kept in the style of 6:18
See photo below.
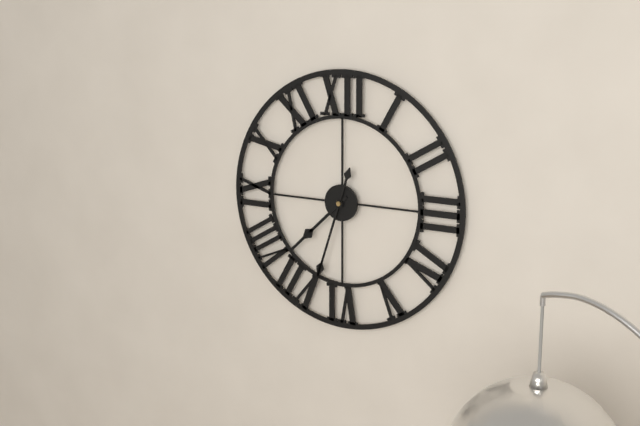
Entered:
7:33
